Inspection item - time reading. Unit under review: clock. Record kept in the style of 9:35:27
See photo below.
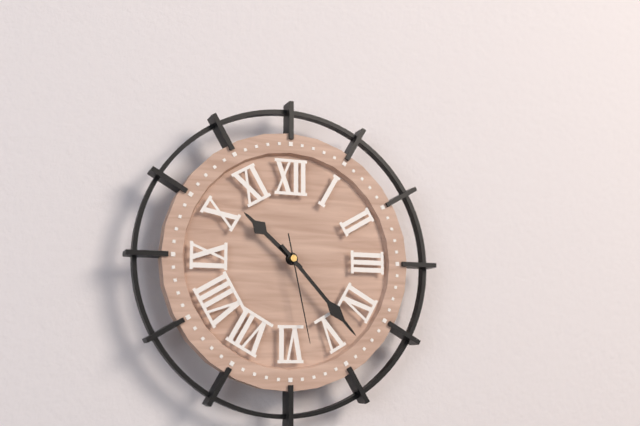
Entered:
10:23:28
